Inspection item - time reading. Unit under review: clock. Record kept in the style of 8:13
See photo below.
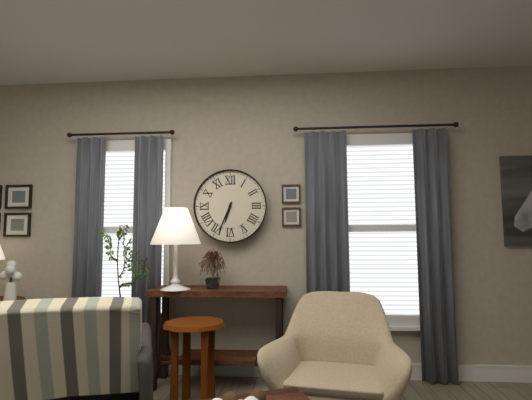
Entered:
6:34
